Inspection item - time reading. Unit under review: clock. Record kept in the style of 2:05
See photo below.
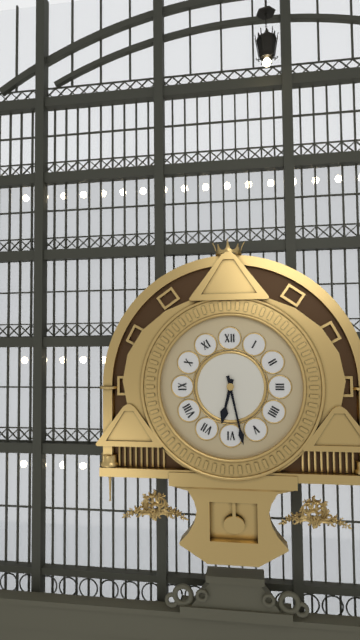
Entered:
6:28
